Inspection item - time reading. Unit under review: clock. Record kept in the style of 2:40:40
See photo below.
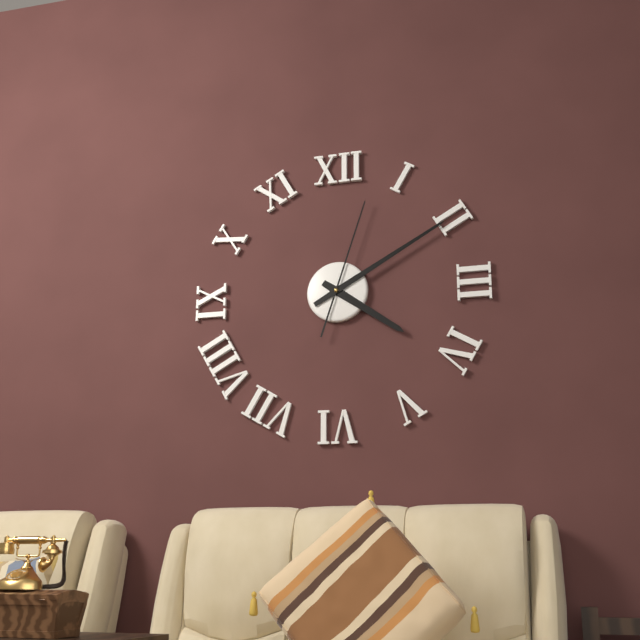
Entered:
4:10:03
